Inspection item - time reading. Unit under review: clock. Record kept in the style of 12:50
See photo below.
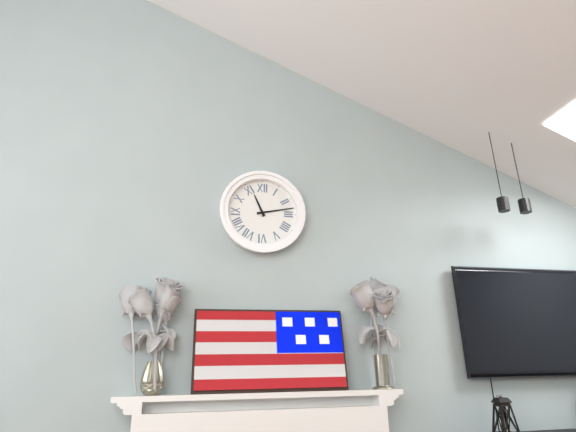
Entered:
11:13
